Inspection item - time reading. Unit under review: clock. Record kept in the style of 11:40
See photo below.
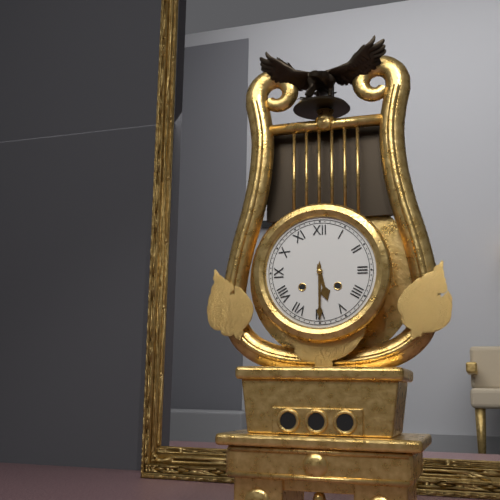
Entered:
5:30
